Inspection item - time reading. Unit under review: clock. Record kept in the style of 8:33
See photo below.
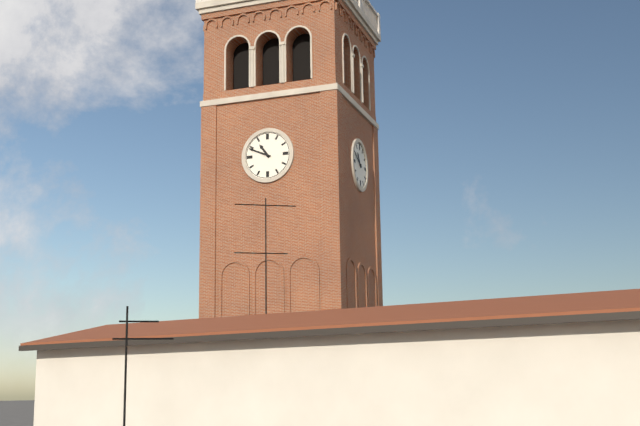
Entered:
10:49
